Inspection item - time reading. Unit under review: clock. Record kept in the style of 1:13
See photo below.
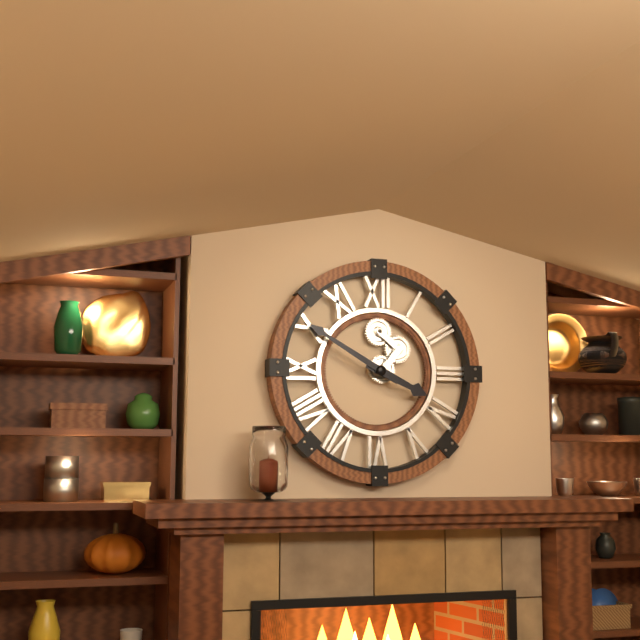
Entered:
3:50
